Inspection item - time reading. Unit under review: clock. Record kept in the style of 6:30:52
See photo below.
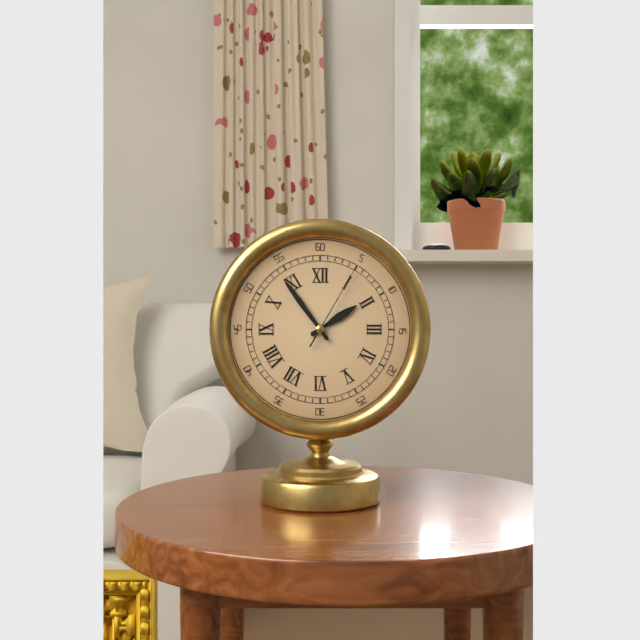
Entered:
1:54:05
